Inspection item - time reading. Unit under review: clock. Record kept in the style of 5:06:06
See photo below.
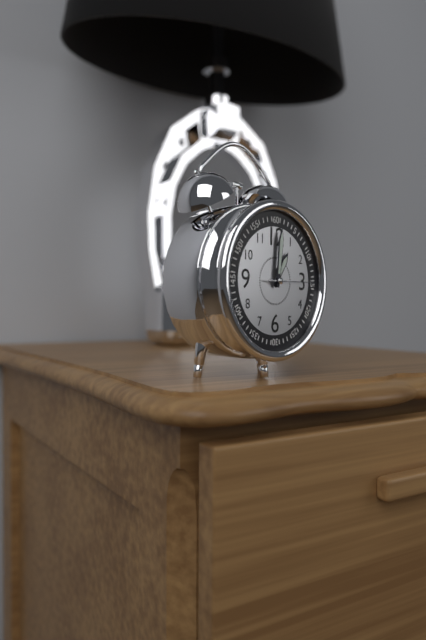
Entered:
1:01:15
